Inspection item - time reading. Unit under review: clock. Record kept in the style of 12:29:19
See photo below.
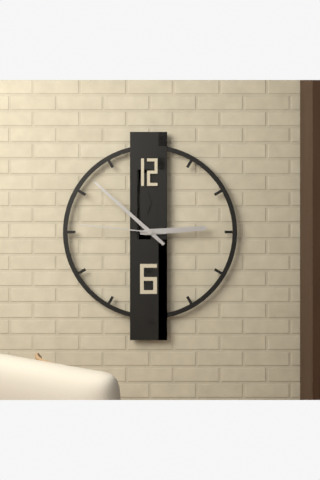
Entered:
2:52:46
